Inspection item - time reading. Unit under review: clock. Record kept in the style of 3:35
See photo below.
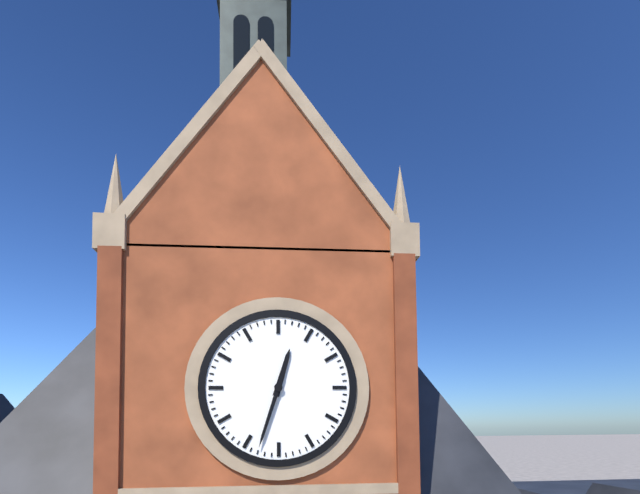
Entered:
12:33
